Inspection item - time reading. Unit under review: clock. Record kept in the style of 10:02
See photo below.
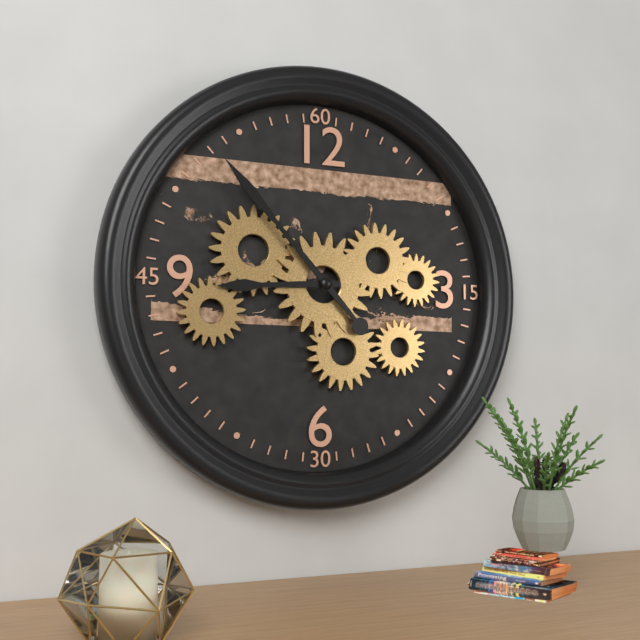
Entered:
8:53
